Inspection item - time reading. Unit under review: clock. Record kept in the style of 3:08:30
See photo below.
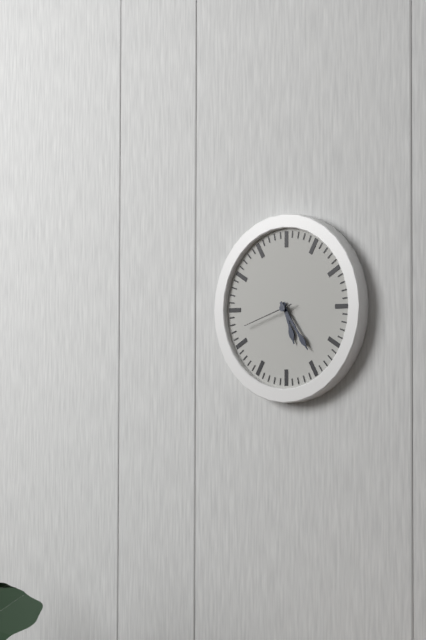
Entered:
5:24:42
